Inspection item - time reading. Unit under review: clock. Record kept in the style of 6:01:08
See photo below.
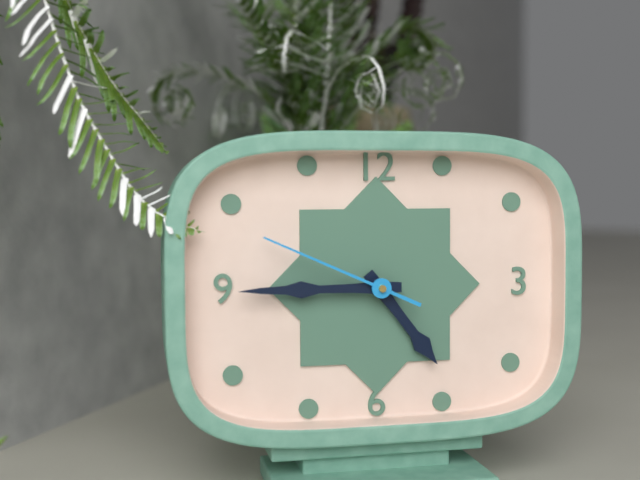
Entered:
4:45:49
